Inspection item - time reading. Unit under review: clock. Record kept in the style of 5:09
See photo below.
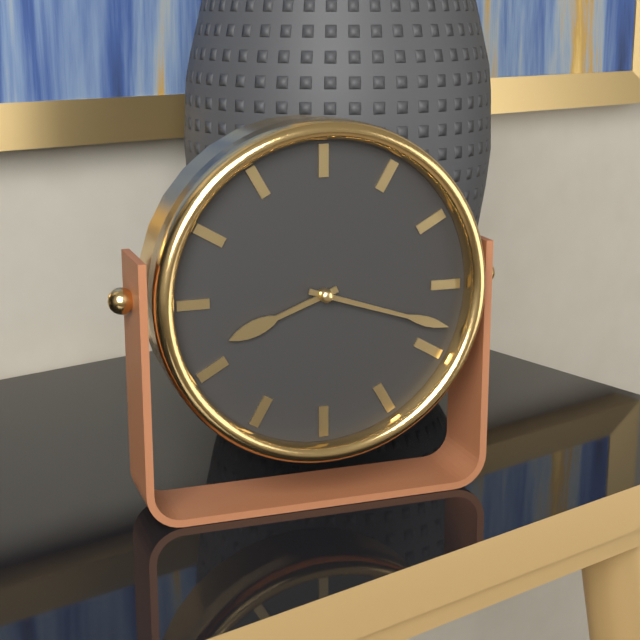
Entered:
8:18
